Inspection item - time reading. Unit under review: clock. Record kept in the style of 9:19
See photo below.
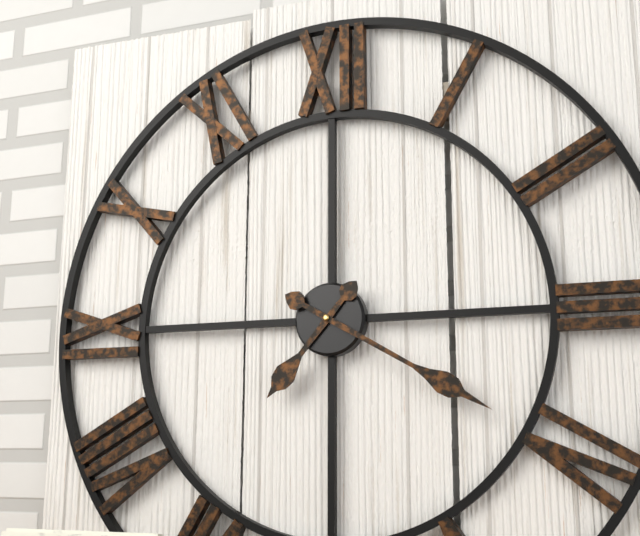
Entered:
7:20
